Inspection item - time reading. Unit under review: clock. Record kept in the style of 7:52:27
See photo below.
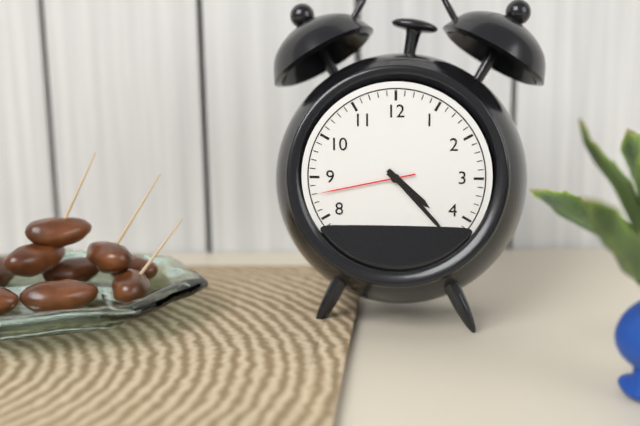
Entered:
4:23:43
